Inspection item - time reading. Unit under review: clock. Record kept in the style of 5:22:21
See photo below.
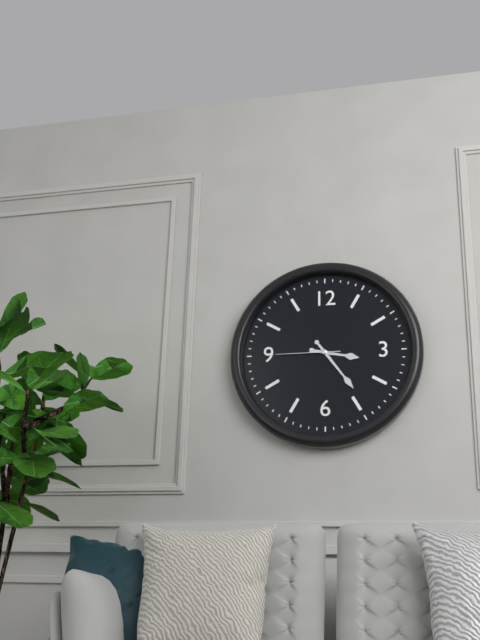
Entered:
3:24:45
